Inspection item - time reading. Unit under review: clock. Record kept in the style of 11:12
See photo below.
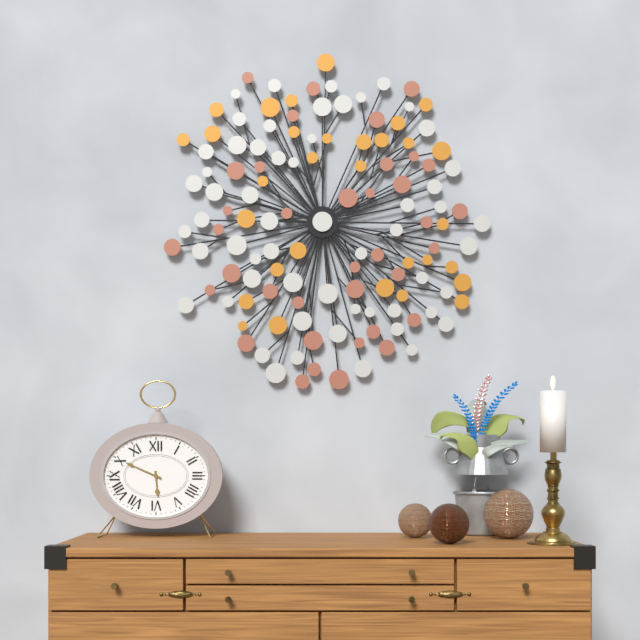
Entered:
5:49
